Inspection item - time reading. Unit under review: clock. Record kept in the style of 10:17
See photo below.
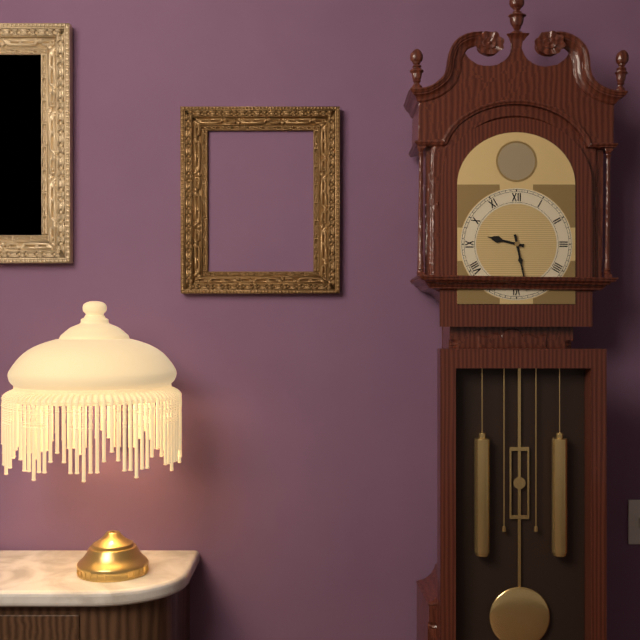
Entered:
9:28
